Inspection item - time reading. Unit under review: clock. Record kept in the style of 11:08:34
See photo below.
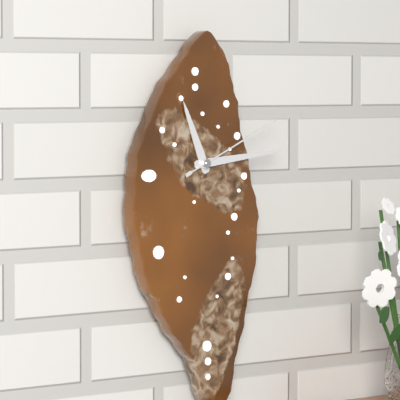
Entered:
11:14:11
